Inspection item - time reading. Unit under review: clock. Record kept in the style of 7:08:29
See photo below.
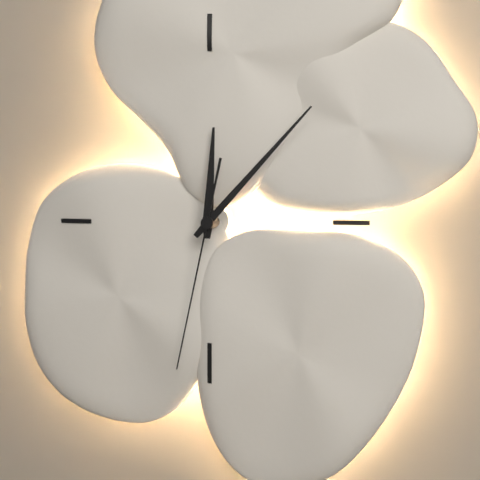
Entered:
12:07:32
